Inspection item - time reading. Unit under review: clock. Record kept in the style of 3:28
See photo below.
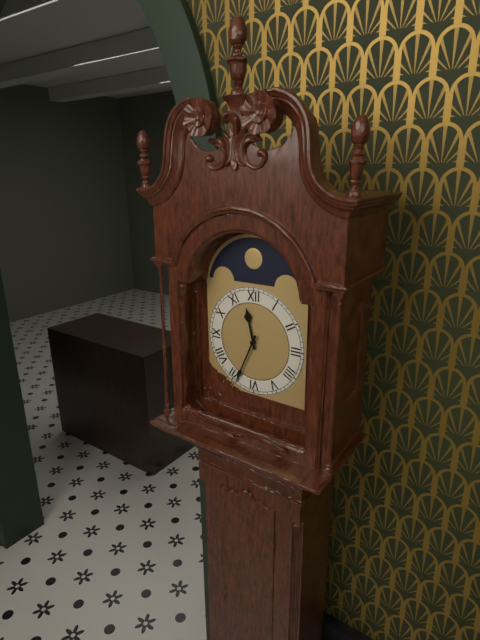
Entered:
11:34
